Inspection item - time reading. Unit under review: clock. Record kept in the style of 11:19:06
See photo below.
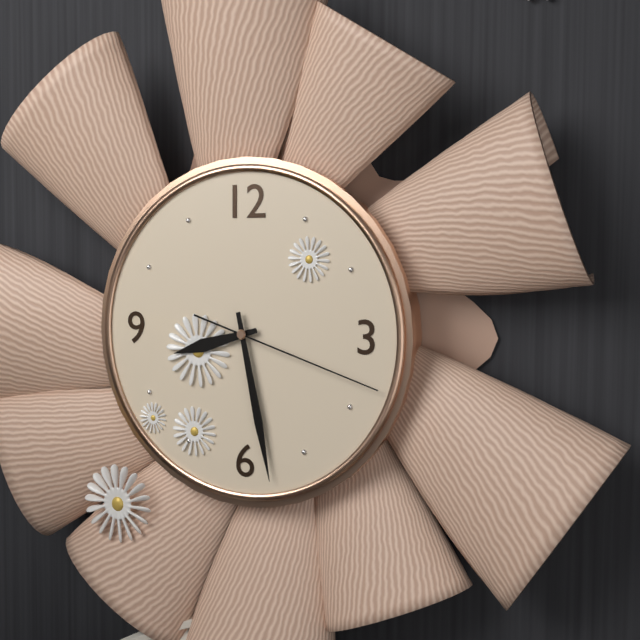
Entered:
8:28:18
